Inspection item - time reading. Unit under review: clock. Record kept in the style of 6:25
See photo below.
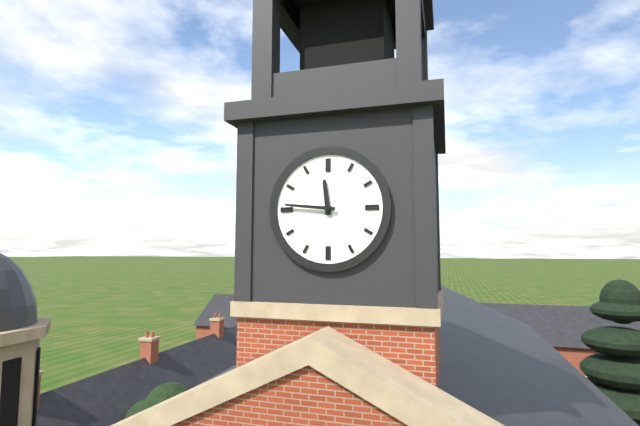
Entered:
11:46
